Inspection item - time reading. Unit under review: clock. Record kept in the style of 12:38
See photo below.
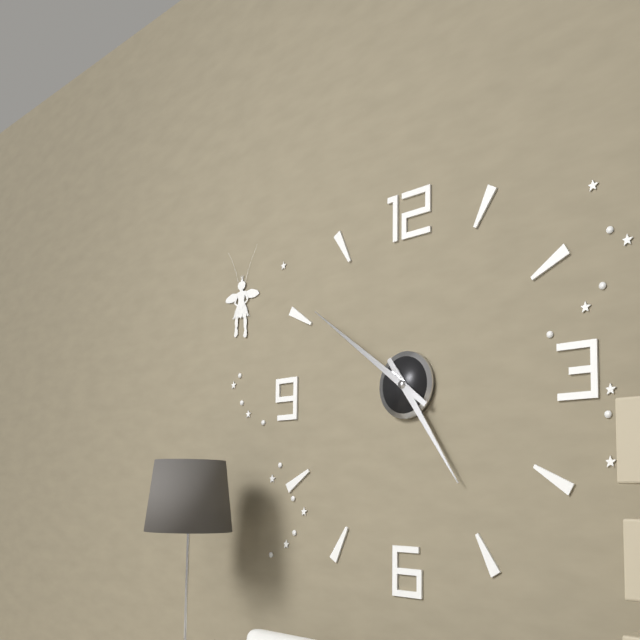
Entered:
4:51
